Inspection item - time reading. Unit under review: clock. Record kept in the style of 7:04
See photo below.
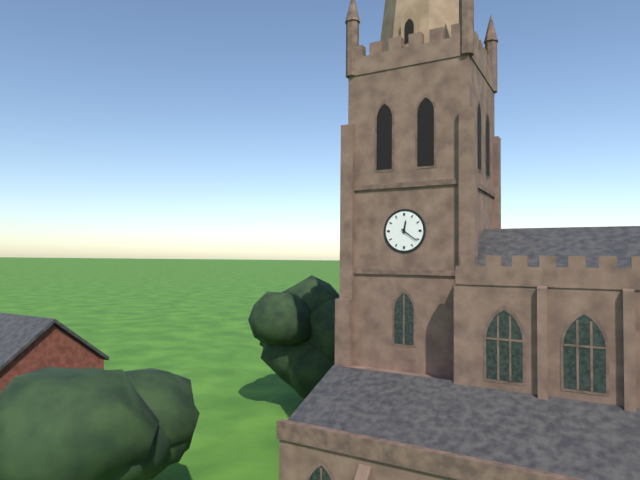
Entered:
12:21
